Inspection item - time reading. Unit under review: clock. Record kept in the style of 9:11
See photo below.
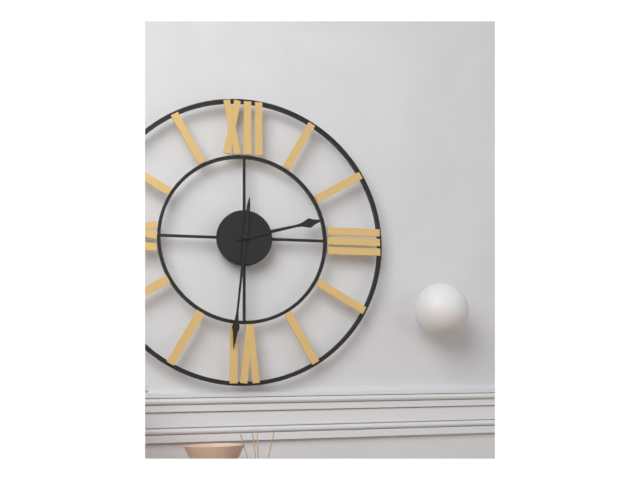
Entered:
2:31
